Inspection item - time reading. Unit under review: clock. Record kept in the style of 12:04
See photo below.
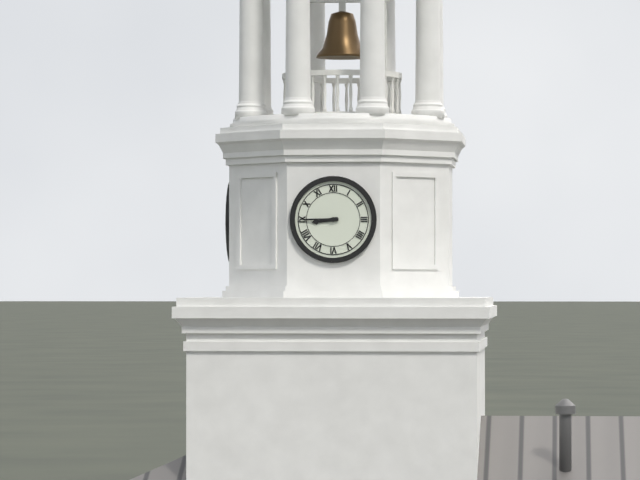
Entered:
8:45
